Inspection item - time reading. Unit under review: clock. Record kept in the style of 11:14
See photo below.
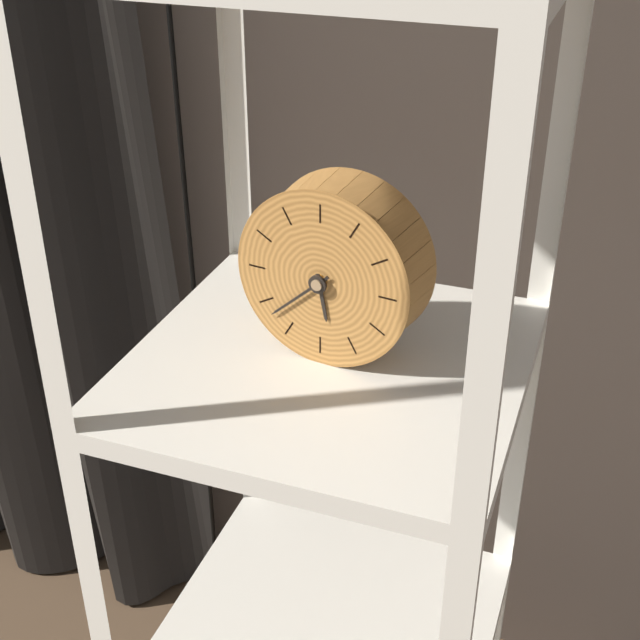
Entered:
5:38
